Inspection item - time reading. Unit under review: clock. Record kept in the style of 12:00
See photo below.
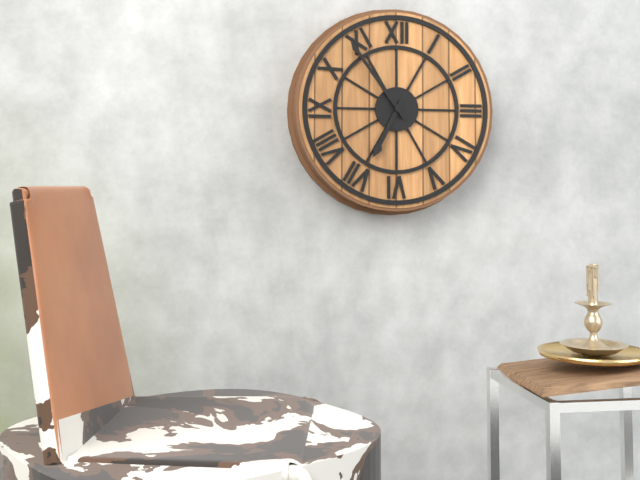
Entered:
6:54
